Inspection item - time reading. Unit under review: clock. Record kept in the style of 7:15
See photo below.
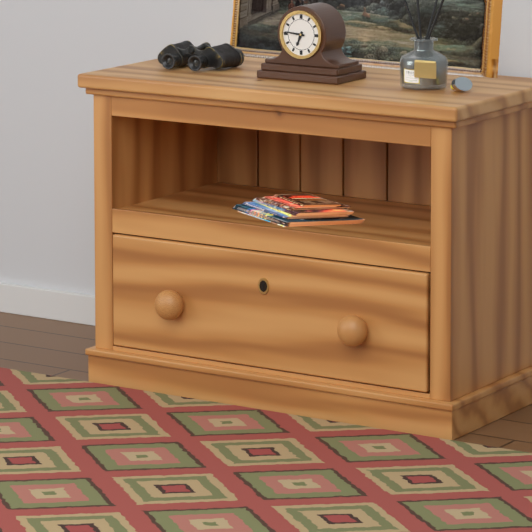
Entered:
6:46
